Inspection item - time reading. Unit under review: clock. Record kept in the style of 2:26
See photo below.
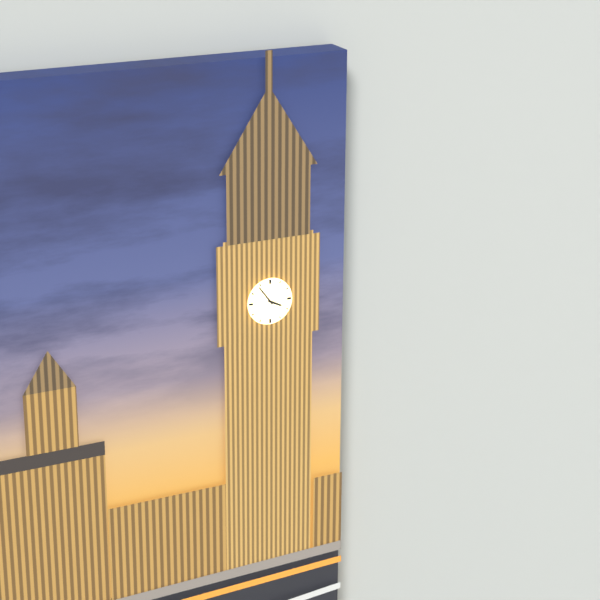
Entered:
3:54
